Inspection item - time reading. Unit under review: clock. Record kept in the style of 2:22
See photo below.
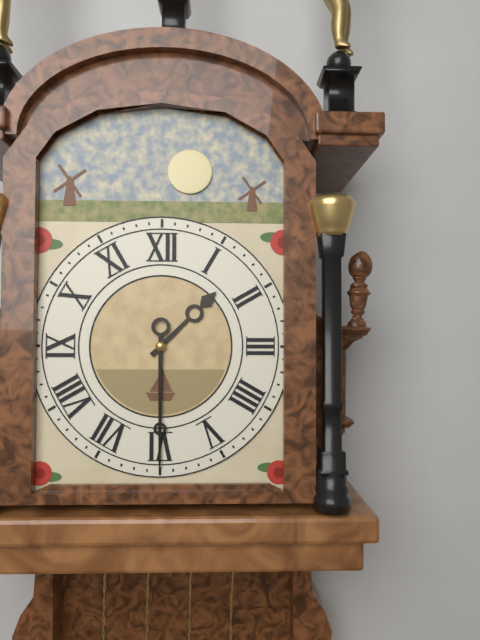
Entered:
1:30
